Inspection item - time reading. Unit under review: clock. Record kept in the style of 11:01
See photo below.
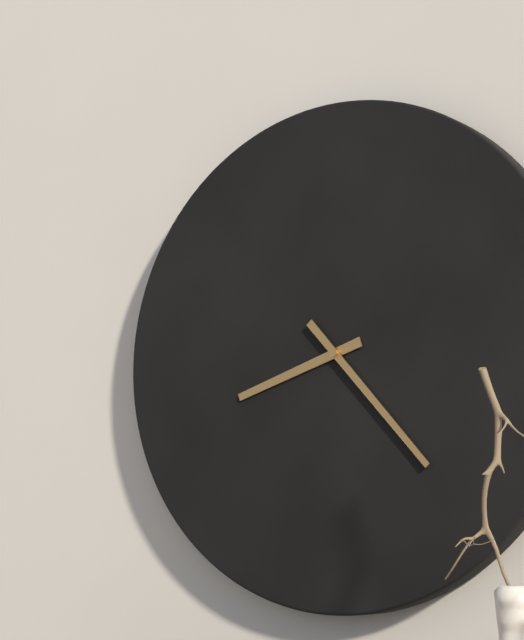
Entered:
8:23
